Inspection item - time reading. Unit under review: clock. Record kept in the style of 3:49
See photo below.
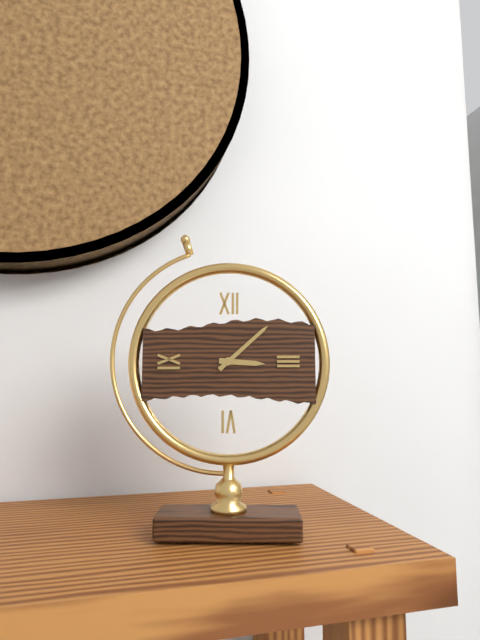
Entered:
3:08
